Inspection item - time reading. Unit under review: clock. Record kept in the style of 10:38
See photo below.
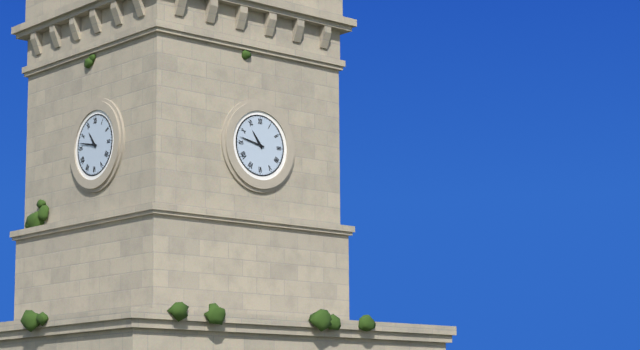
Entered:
10:47
